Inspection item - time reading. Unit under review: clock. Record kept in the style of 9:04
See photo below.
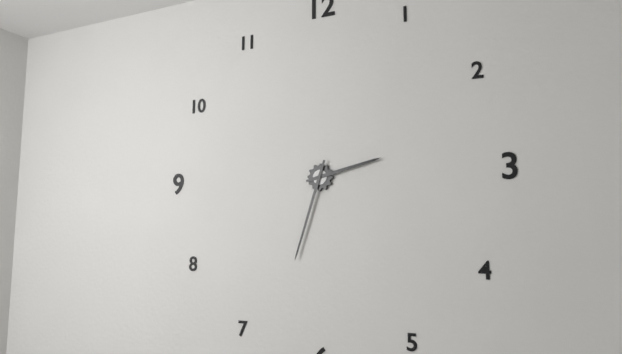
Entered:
2:33
